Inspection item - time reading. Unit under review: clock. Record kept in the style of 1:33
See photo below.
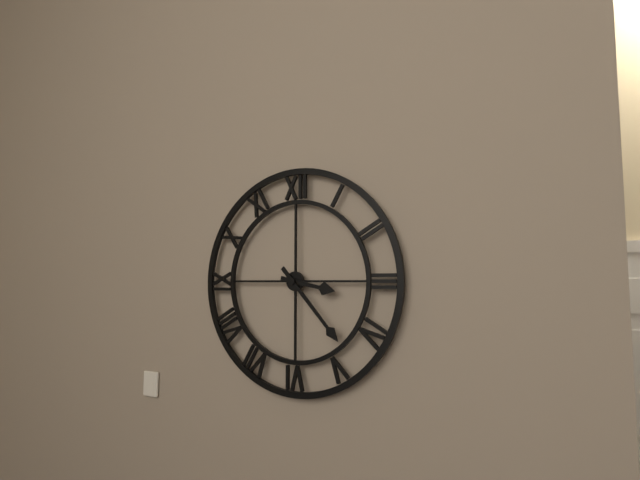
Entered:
3:23
